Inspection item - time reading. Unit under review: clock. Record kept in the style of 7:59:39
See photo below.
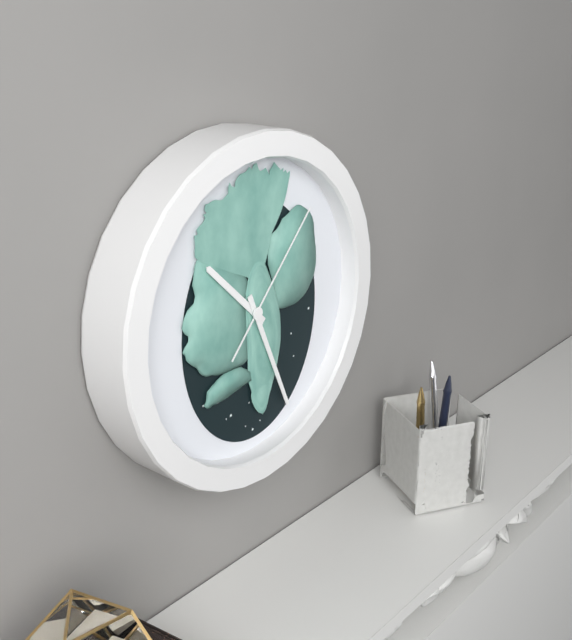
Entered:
10:26:07
